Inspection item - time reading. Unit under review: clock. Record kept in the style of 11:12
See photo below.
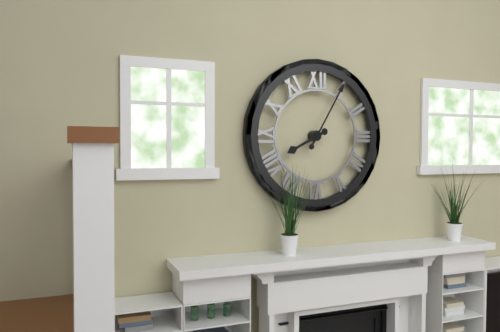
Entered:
8:05
